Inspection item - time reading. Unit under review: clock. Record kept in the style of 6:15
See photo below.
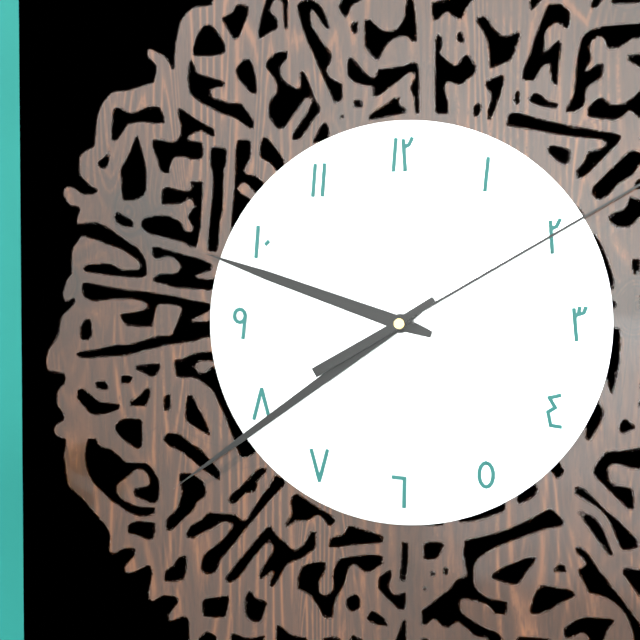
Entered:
9:39
